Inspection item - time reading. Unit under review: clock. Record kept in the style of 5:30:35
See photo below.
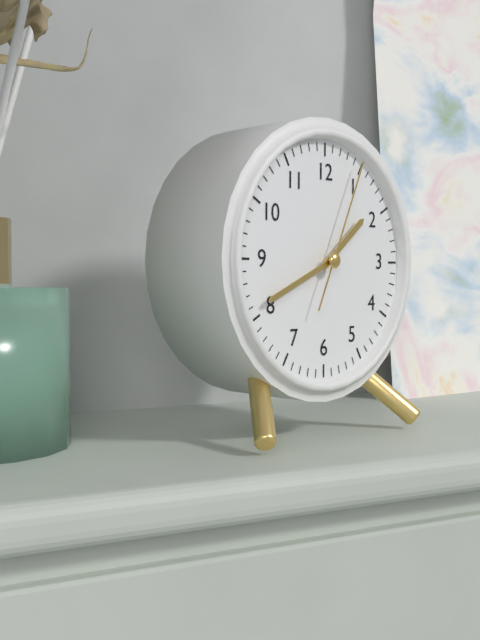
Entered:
1:41:04
